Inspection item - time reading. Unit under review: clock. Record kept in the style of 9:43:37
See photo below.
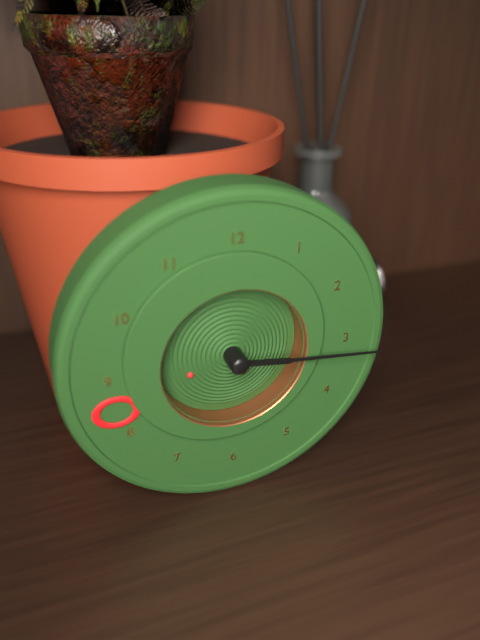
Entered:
3:16:41
